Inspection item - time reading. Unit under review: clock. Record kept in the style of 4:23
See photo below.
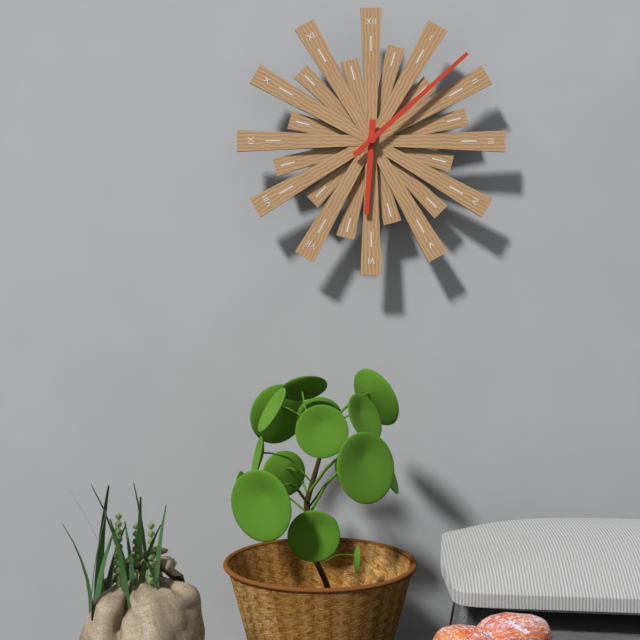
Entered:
6:08
